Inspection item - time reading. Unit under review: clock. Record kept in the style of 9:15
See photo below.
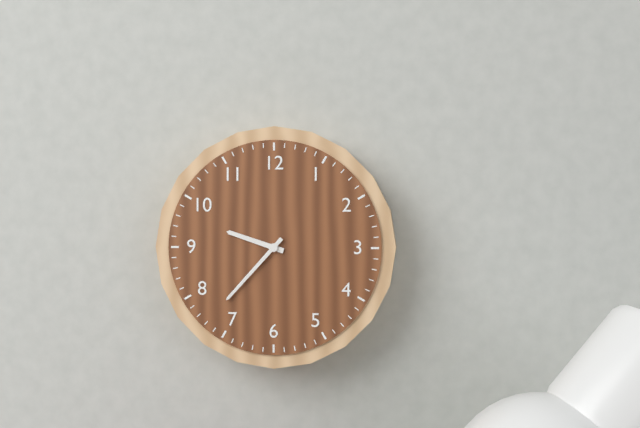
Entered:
9:37
